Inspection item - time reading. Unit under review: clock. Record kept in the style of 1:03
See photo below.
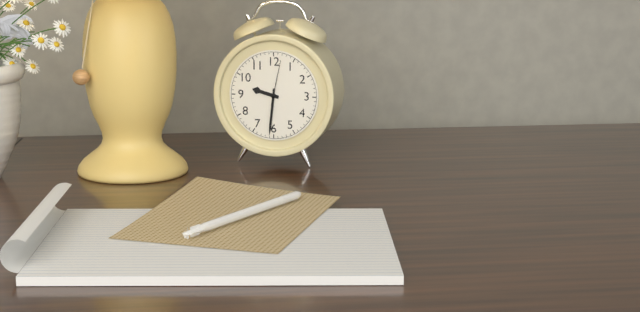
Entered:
9:31
